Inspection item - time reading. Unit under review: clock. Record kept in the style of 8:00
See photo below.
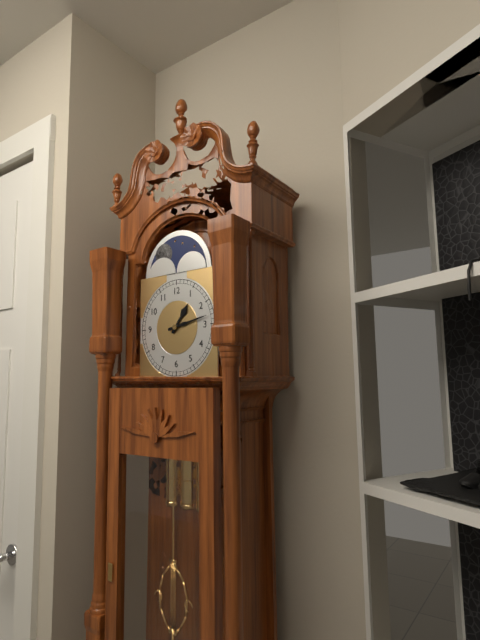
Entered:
1:13
